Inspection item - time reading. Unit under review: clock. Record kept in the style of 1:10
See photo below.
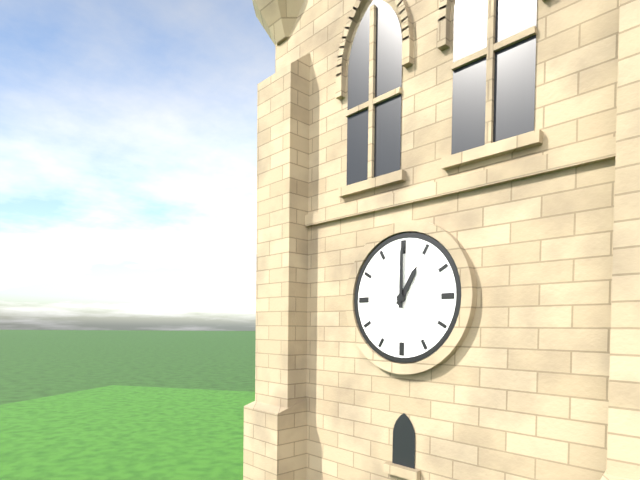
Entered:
1:00
